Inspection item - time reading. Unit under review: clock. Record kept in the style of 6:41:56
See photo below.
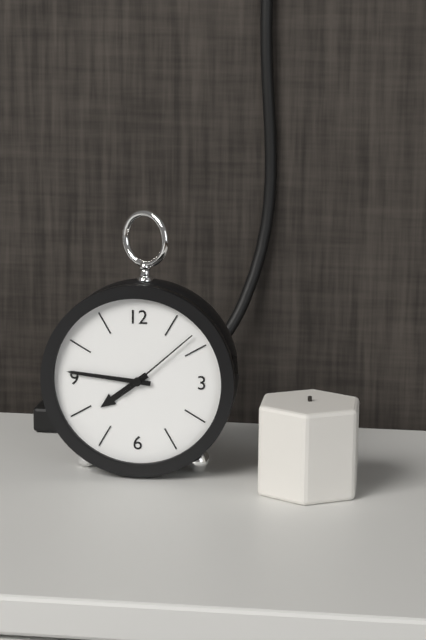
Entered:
7:46:08
